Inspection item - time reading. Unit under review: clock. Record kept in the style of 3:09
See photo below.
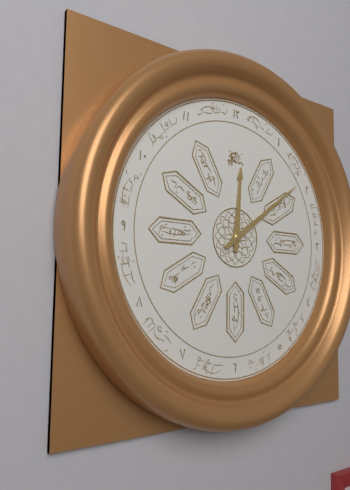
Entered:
12:09
